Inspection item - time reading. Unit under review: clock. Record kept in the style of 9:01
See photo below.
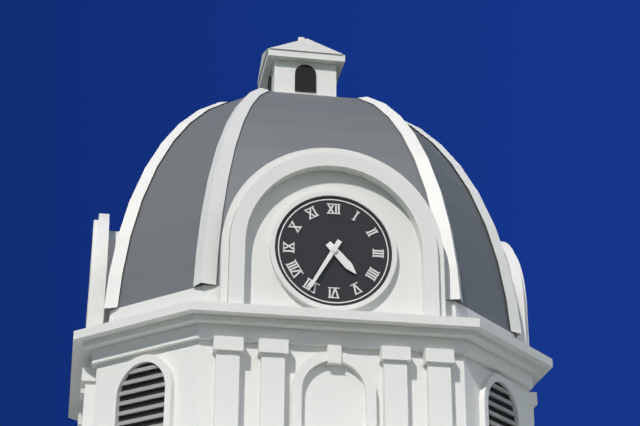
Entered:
4:35
